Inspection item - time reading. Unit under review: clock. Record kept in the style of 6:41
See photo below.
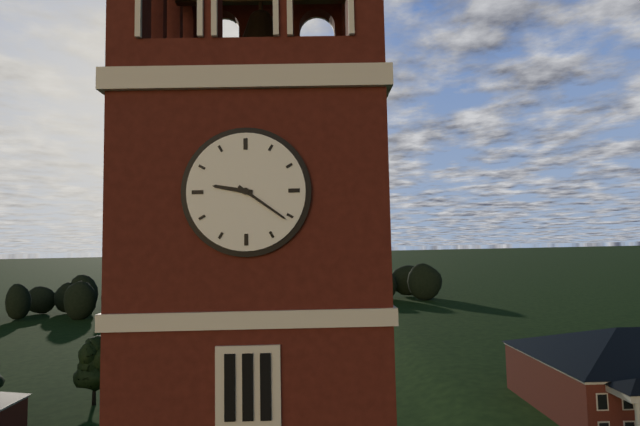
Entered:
9:21
